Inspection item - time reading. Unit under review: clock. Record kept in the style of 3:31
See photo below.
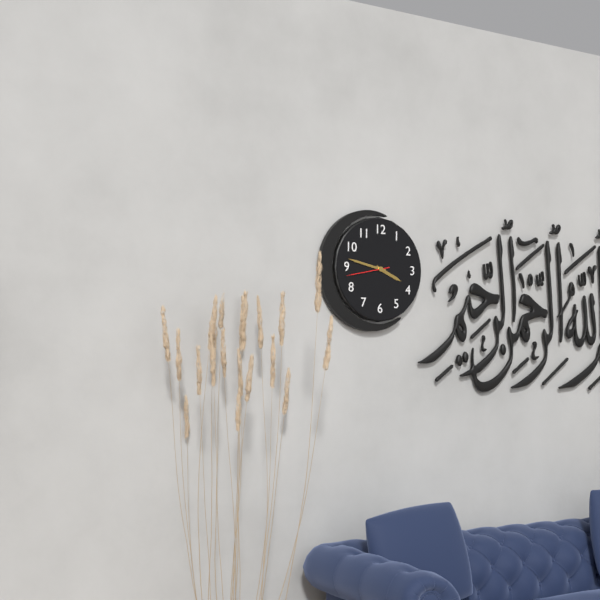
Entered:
3:47
